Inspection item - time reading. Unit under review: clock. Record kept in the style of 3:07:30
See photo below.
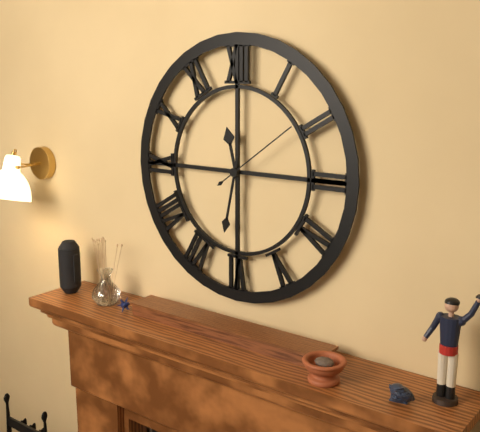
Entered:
11:32:09
